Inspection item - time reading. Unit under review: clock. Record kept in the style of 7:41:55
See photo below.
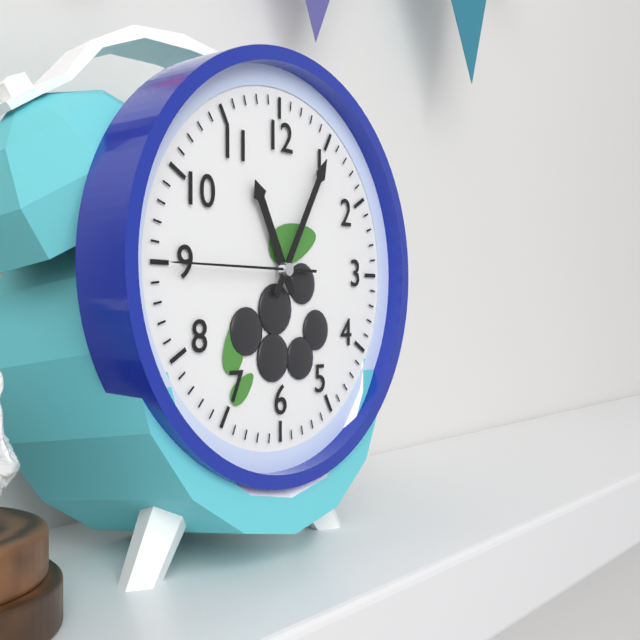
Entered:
11:05:45
